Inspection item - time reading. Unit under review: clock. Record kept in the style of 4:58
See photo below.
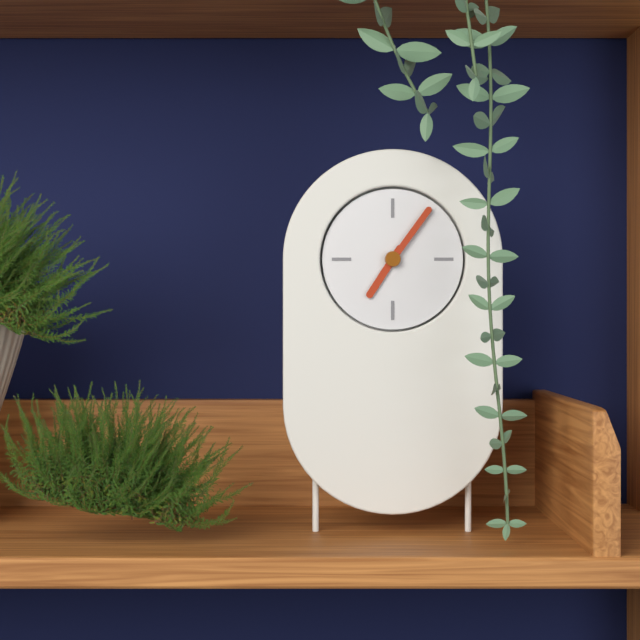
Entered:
7:06
